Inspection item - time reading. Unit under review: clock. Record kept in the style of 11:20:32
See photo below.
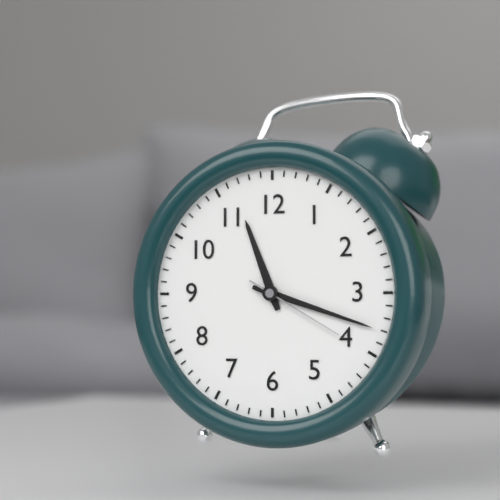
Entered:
11:18:20
